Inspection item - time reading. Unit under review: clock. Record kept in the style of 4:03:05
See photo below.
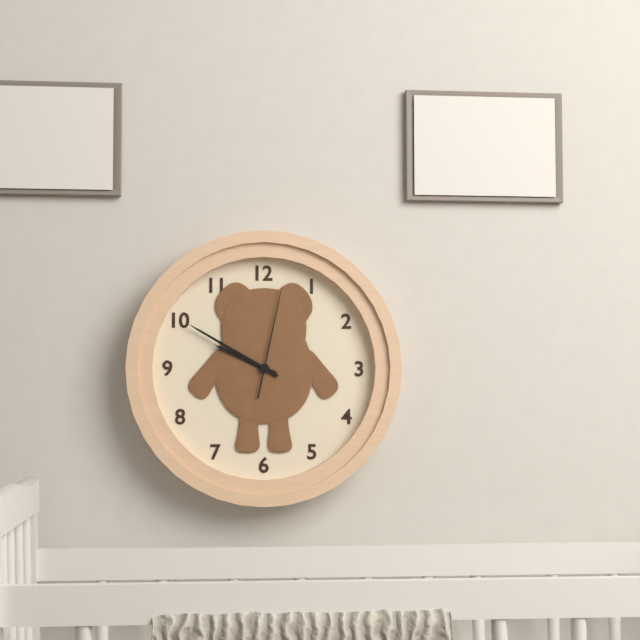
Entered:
9:50:02
